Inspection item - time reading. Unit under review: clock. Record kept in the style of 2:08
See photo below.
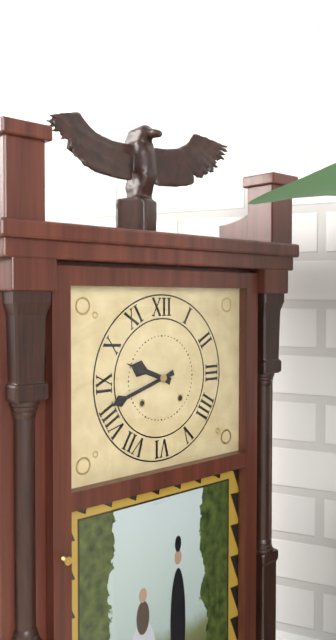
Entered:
9:42
